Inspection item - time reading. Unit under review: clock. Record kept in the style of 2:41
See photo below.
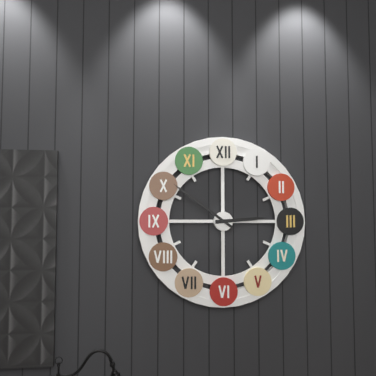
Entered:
2:51
